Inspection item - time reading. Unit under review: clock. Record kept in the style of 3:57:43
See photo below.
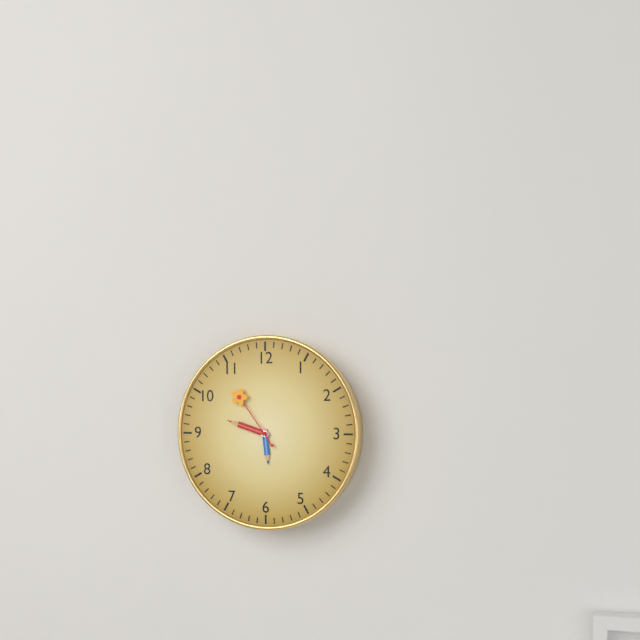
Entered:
5:48:54
